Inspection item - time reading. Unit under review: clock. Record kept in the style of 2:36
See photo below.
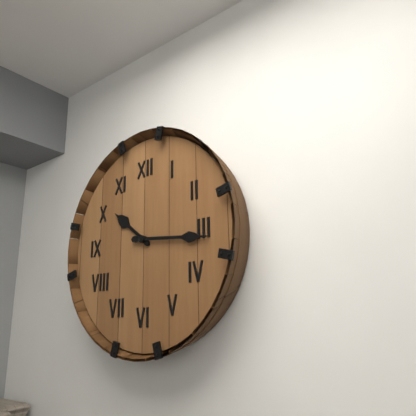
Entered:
10:16
